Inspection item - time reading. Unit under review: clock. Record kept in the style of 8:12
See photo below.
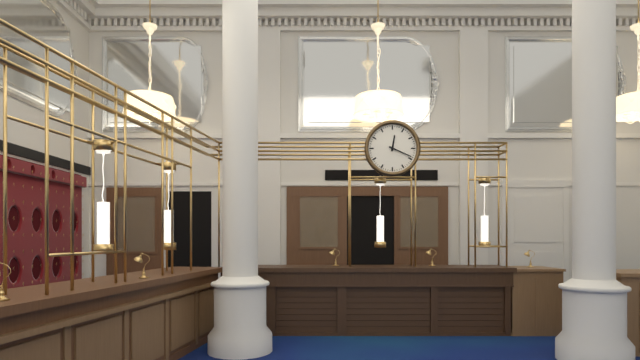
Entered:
12:19
